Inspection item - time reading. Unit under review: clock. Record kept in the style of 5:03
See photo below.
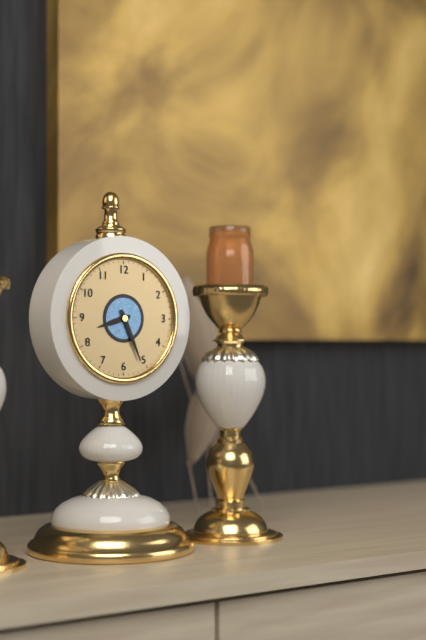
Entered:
8:26
